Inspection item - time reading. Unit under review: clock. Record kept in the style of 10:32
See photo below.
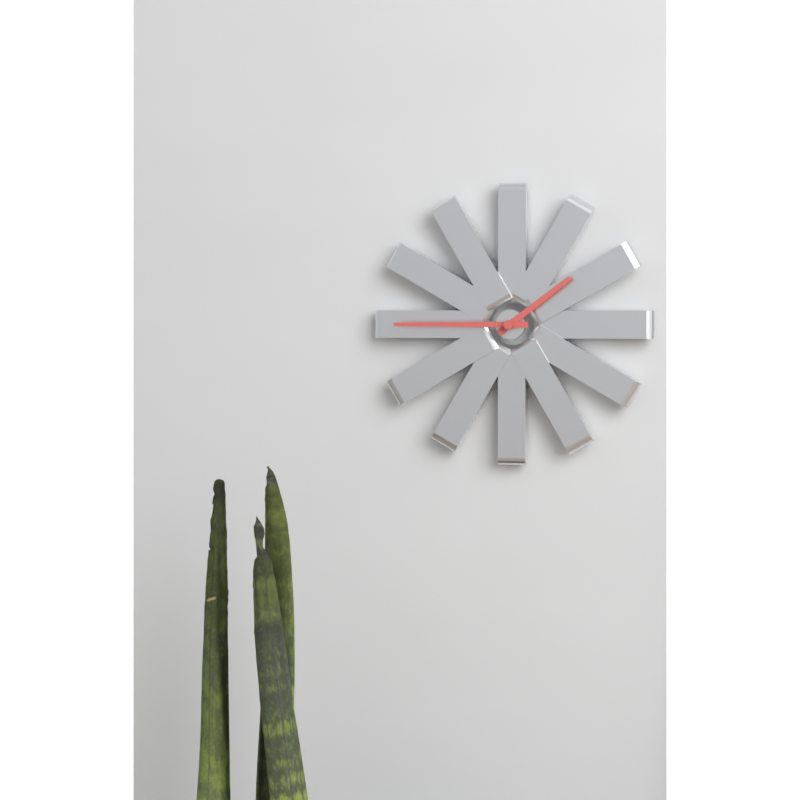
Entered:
1:45
